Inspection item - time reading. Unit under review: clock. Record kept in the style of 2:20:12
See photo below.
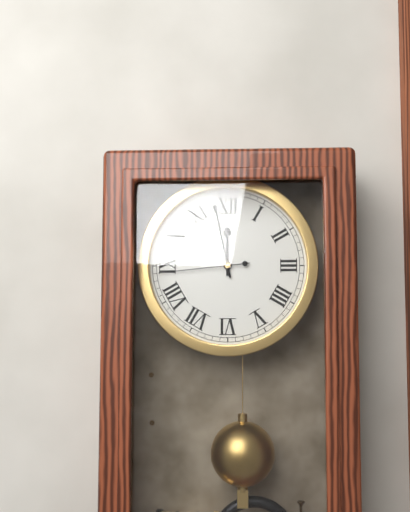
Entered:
11:58:44
